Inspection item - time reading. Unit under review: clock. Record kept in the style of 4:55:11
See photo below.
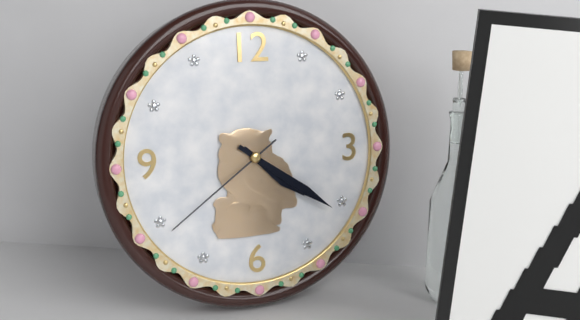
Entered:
4:21:39
